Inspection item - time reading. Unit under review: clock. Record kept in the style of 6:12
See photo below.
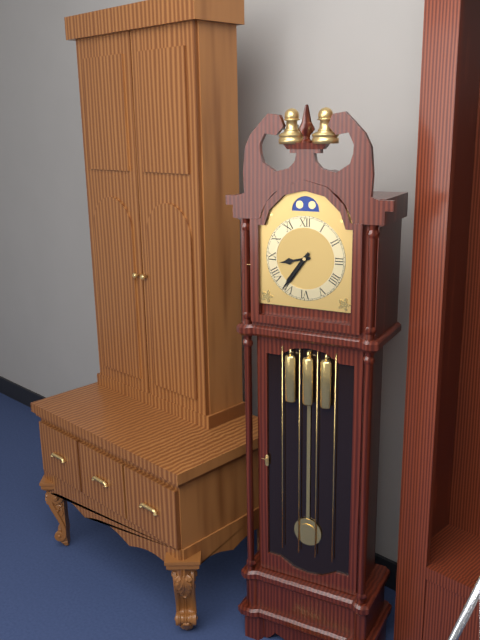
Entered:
8:36
